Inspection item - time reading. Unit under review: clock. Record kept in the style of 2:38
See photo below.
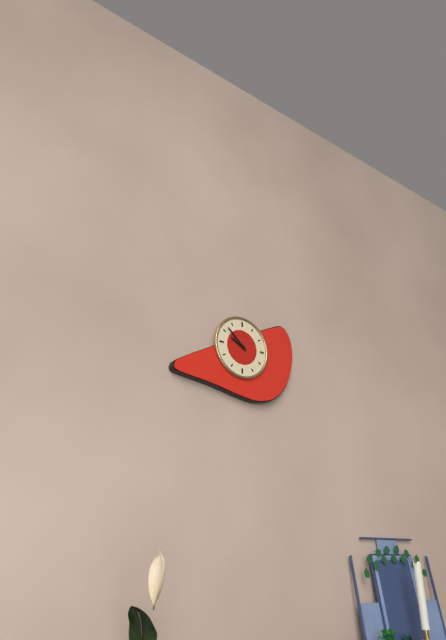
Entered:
9:52
